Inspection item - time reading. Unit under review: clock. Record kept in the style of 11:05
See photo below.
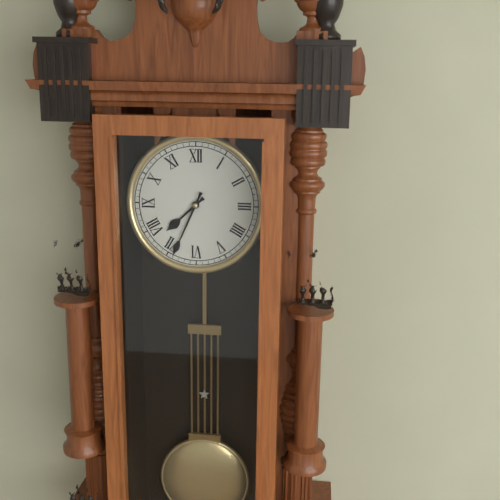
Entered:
7:34
